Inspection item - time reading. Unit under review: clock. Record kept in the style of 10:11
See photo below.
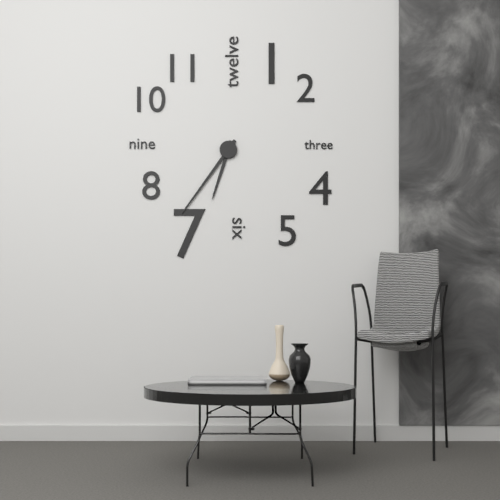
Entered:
6:36
